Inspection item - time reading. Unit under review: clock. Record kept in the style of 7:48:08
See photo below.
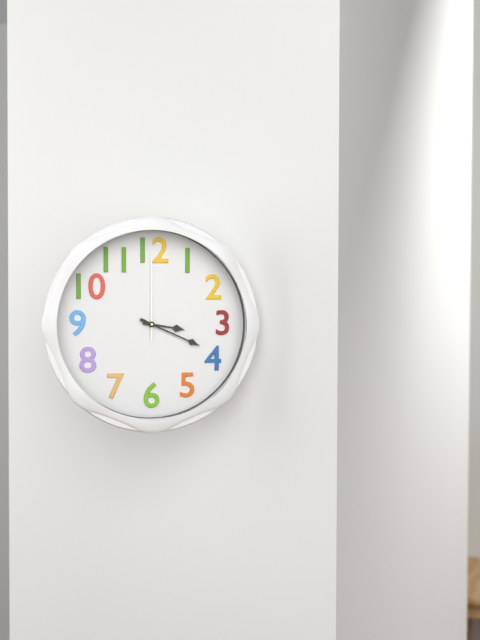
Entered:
3:19:00
